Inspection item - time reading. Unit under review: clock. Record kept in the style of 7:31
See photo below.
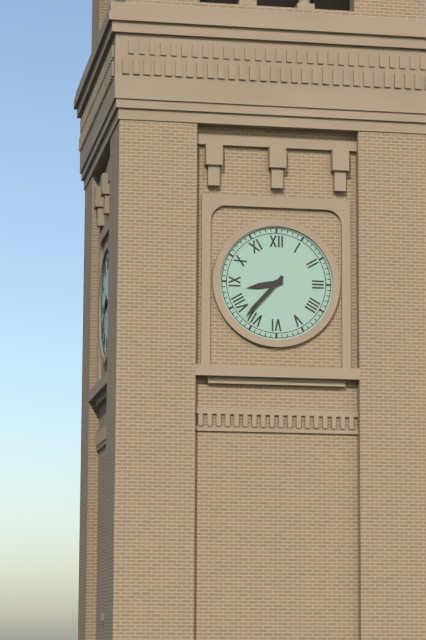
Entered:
8:37
